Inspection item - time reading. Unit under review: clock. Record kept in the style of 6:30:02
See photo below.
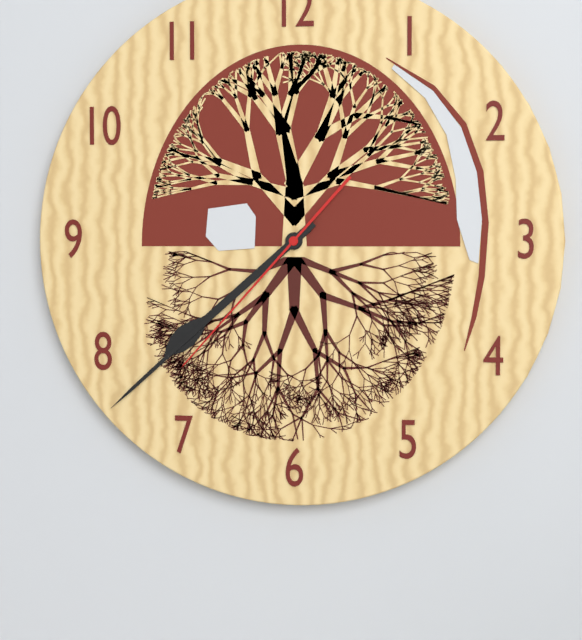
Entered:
7:38:37
